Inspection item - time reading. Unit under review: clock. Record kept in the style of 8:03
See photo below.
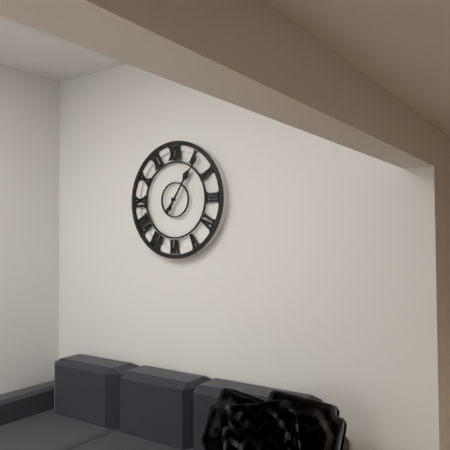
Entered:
1:06
